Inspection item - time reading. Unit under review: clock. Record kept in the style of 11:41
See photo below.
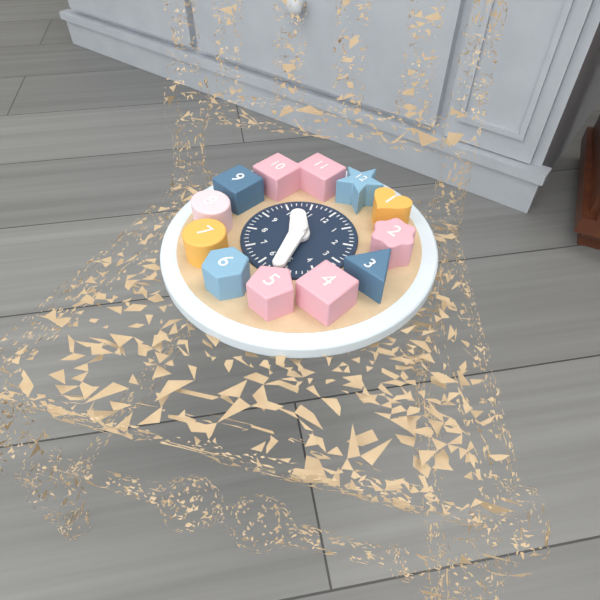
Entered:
10:26
